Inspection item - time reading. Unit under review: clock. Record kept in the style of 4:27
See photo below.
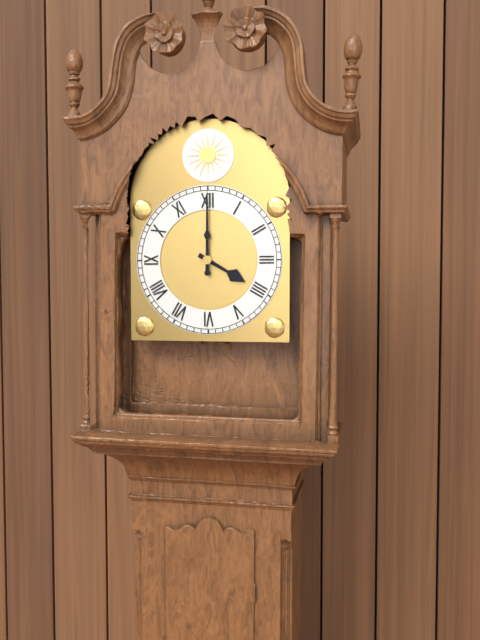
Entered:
4:00
